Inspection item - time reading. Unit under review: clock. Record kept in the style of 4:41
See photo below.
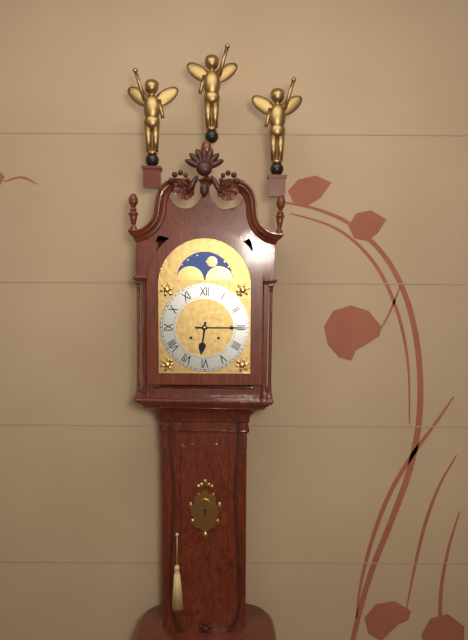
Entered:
6:15
